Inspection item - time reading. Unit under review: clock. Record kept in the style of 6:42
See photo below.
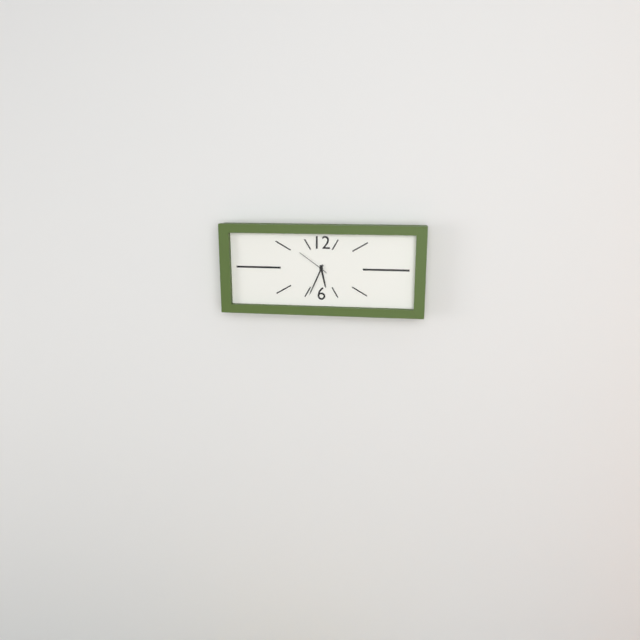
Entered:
5:34
